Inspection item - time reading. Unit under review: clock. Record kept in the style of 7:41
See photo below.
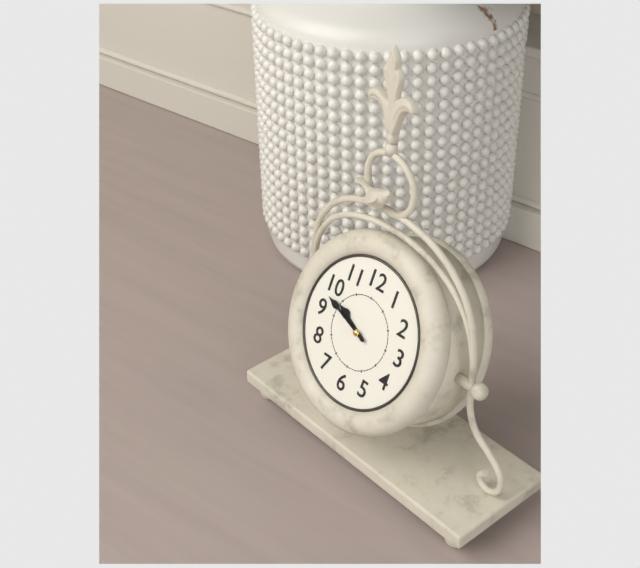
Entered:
9:48
